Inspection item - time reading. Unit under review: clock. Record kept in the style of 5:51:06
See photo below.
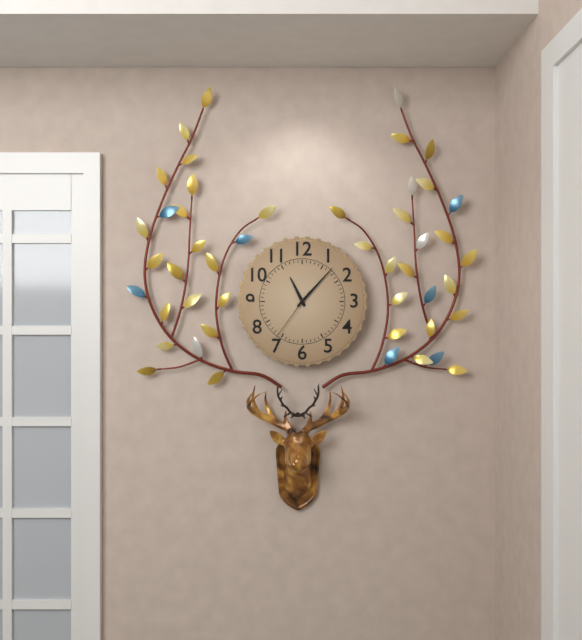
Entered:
11:07:36
